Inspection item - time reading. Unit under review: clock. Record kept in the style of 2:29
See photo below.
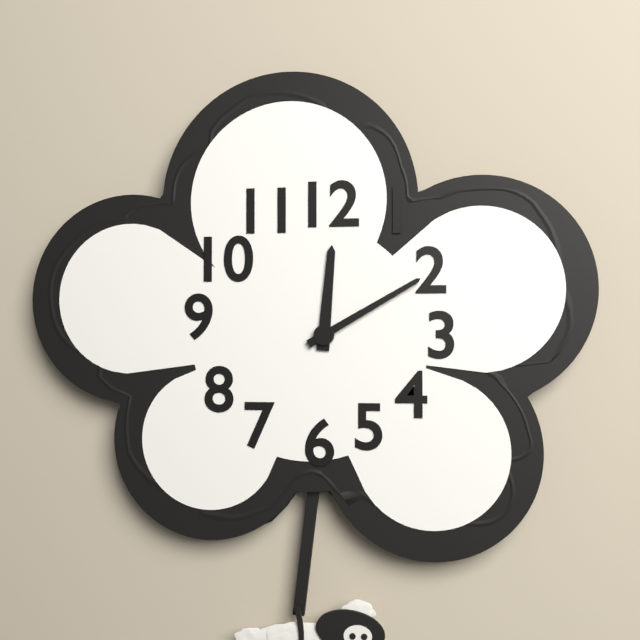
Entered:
12:10
